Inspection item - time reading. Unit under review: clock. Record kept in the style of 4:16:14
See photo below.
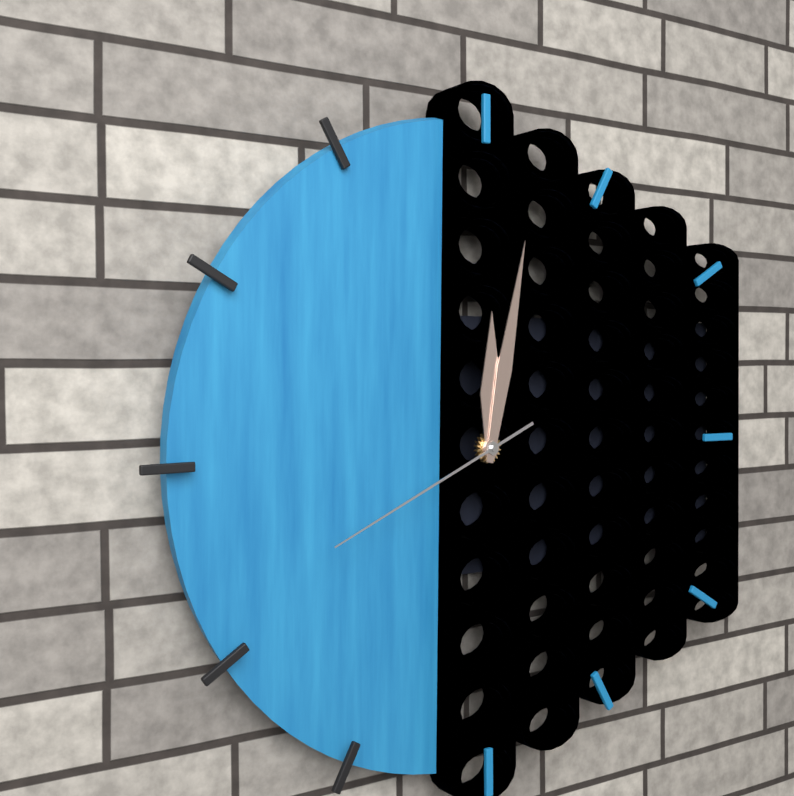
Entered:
12:02:41
